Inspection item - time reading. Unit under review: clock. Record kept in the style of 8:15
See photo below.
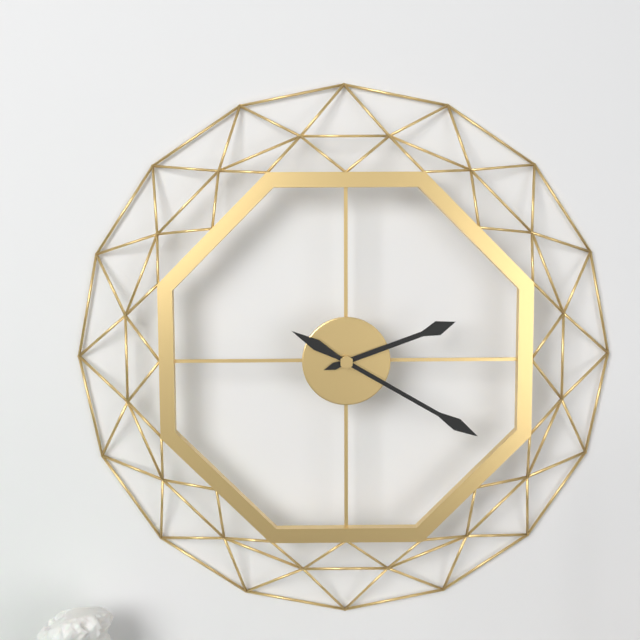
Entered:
2:20
